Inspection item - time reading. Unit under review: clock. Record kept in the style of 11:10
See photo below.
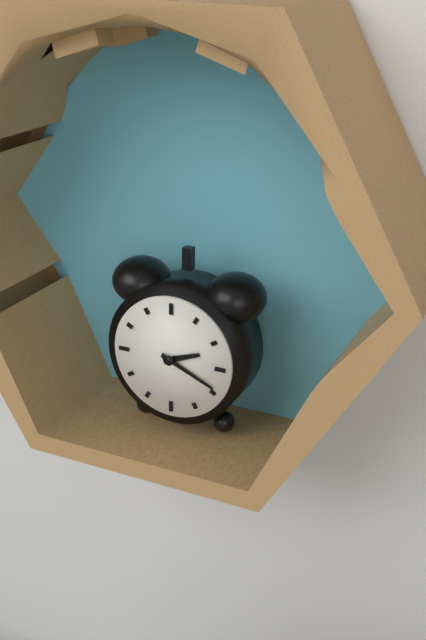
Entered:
2:19
